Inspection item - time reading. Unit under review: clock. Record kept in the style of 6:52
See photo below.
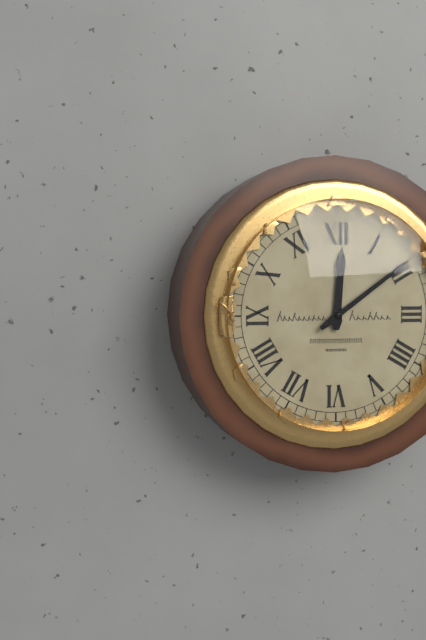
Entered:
12:09
